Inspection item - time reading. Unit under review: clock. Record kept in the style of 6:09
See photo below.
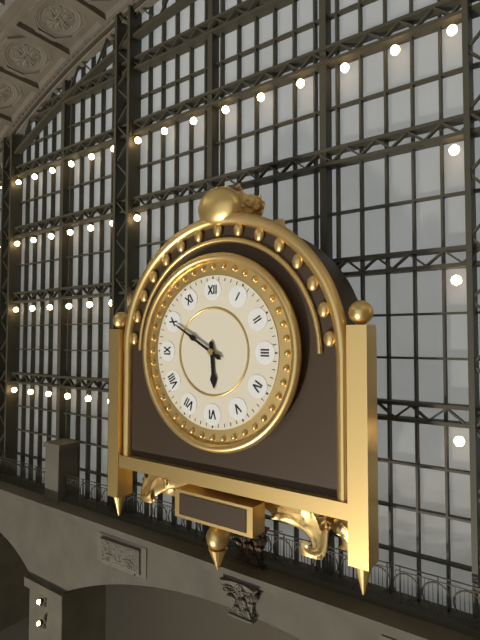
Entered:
5:50
